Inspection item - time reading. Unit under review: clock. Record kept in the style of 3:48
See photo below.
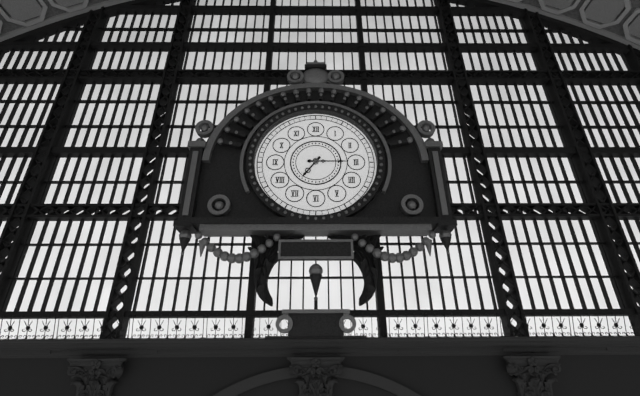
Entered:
7:15
